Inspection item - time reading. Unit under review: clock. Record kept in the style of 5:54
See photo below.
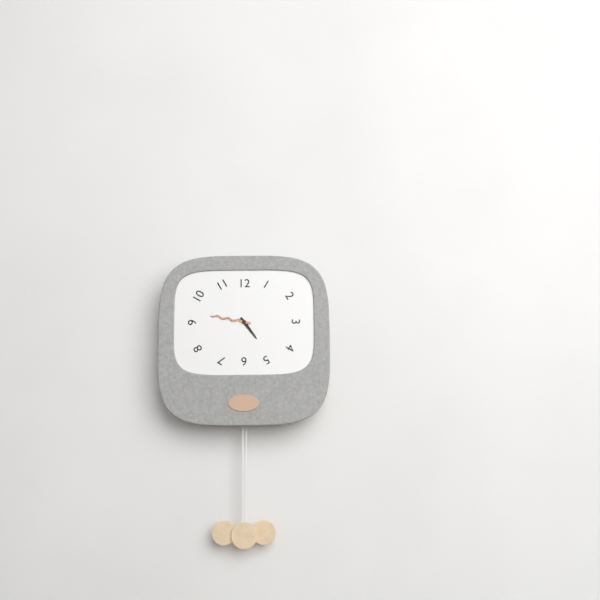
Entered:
4:47
